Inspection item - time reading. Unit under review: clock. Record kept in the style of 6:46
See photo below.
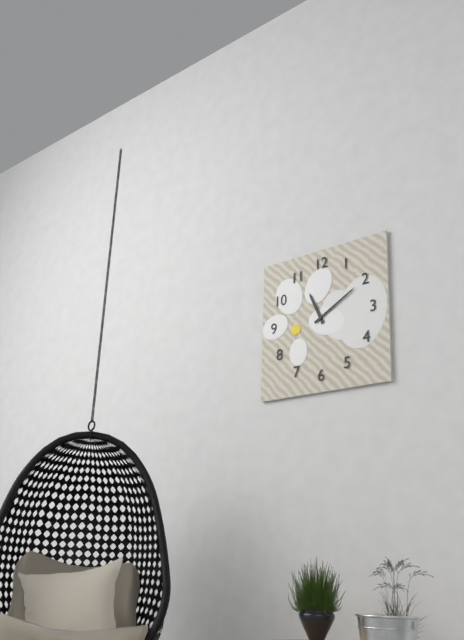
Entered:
11:10
